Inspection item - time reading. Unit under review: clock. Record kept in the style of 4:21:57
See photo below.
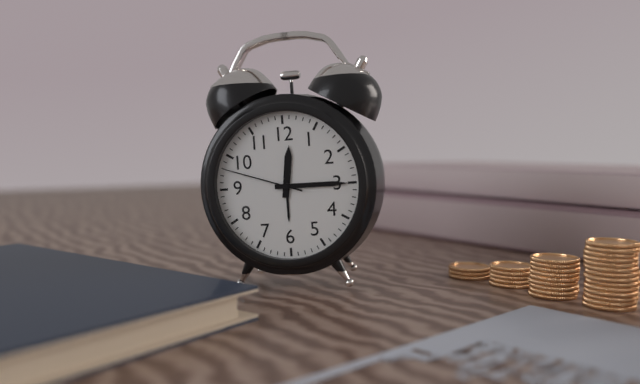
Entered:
12:15:48
